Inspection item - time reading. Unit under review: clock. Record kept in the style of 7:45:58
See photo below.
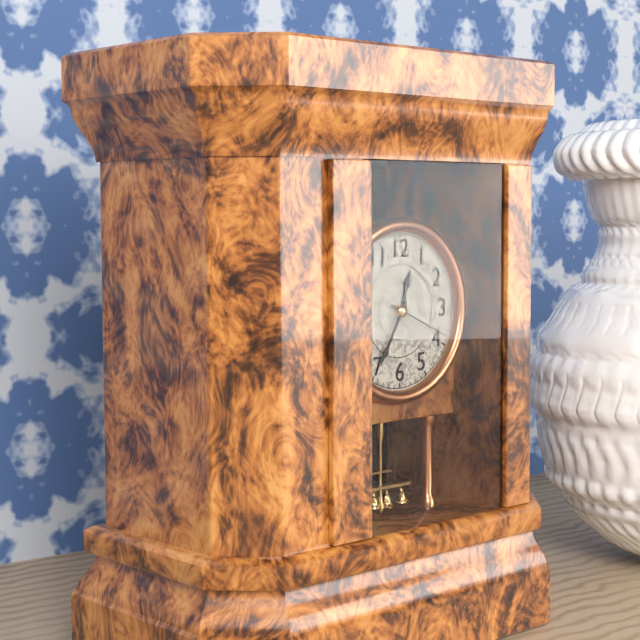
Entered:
12:35:19
